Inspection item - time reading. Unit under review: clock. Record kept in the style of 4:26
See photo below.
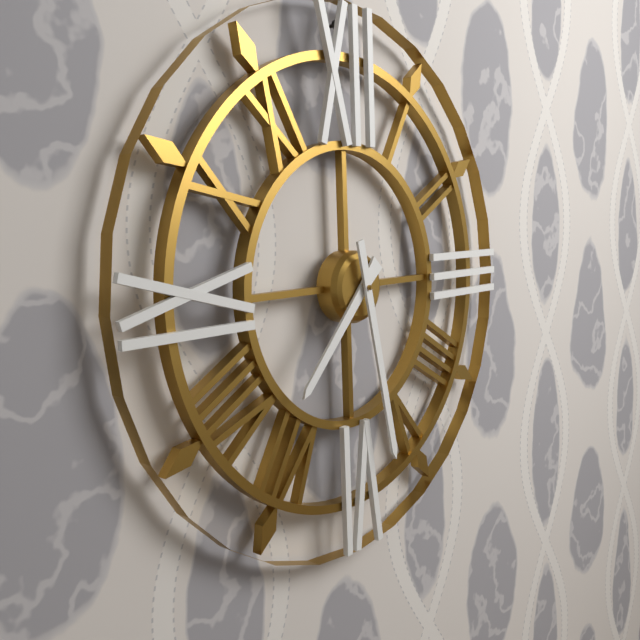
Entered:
7:28
